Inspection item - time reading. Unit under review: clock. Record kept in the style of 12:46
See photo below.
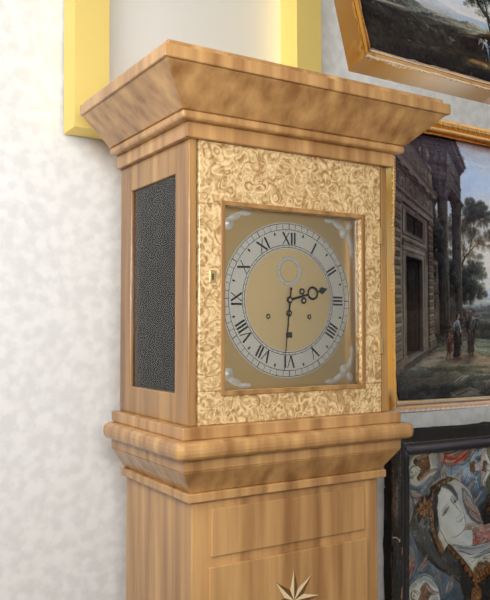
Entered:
2:31
